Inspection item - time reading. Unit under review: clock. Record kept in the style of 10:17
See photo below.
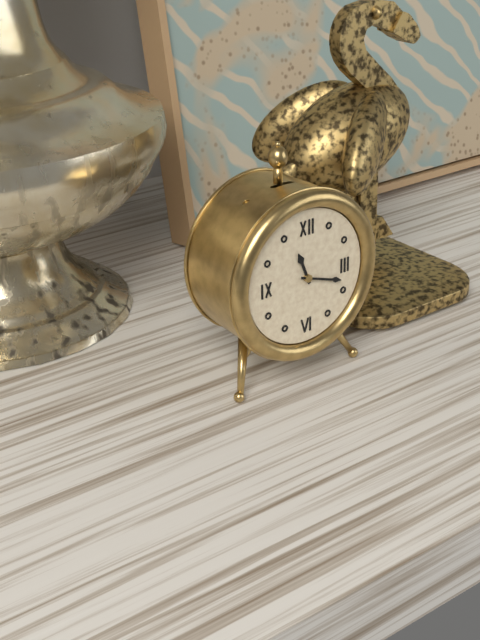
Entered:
11:18
